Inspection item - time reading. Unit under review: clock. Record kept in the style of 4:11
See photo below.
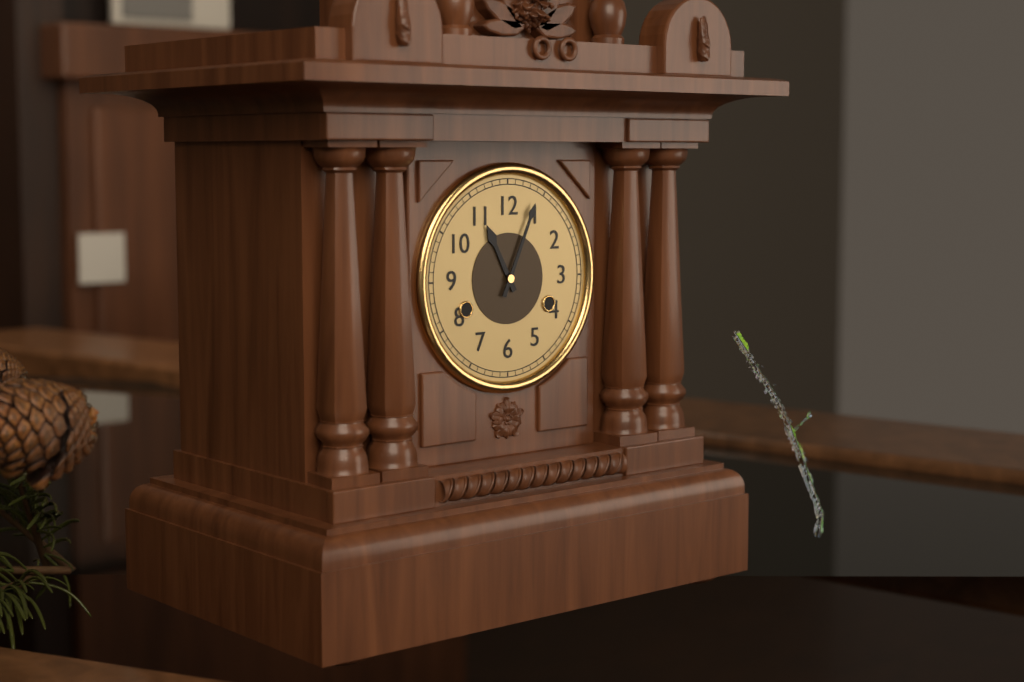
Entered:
11:04
